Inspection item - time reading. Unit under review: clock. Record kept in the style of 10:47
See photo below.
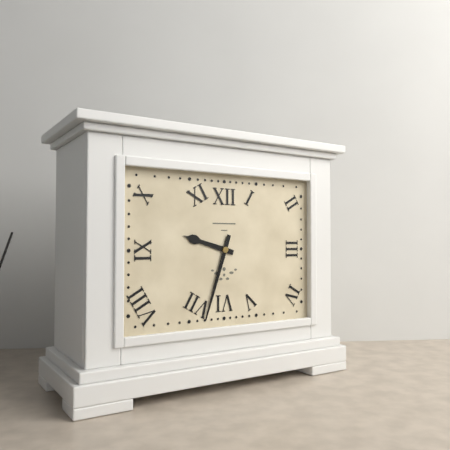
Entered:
9:33
